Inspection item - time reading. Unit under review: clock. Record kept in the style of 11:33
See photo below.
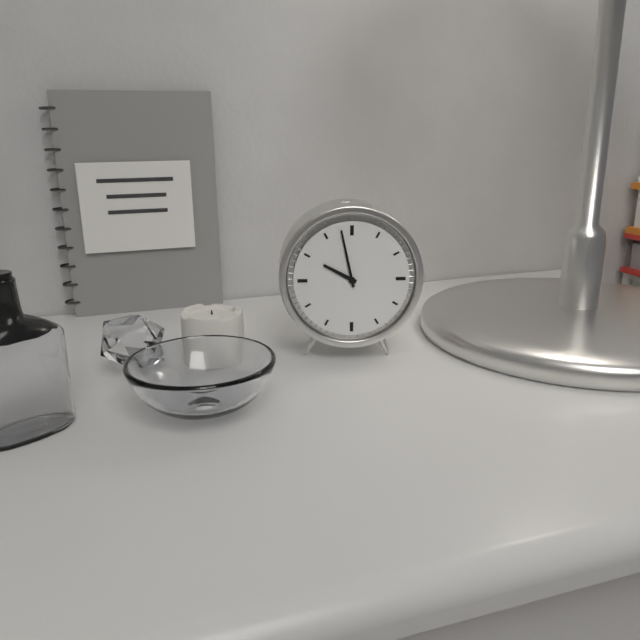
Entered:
9:58
